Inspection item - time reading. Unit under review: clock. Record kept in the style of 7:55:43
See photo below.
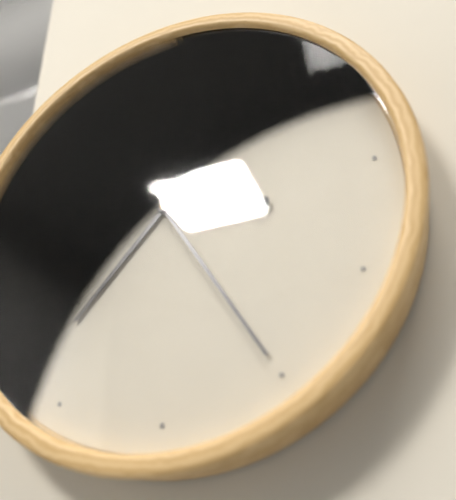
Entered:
7:25:47
